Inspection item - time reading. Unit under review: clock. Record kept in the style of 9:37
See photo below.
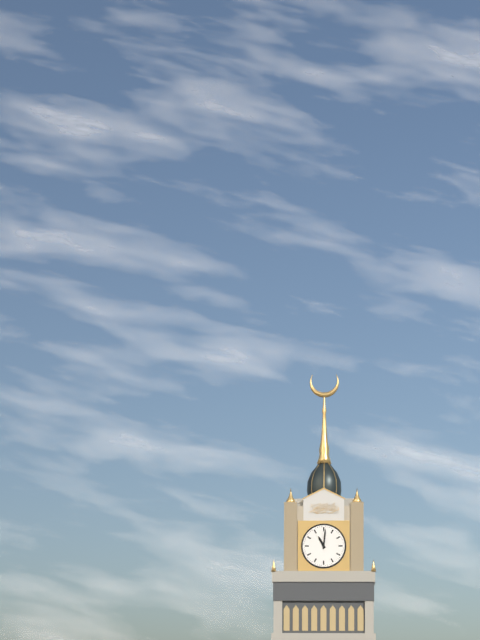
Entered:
11:01
